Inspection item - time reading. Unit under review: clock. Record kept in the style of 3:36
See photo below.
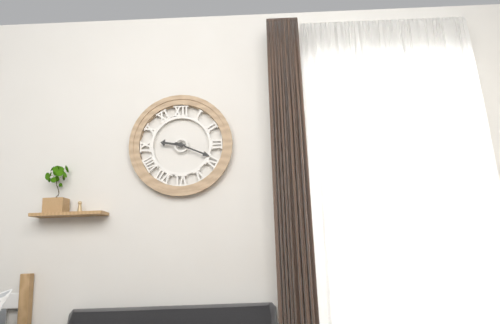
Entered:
9:19
